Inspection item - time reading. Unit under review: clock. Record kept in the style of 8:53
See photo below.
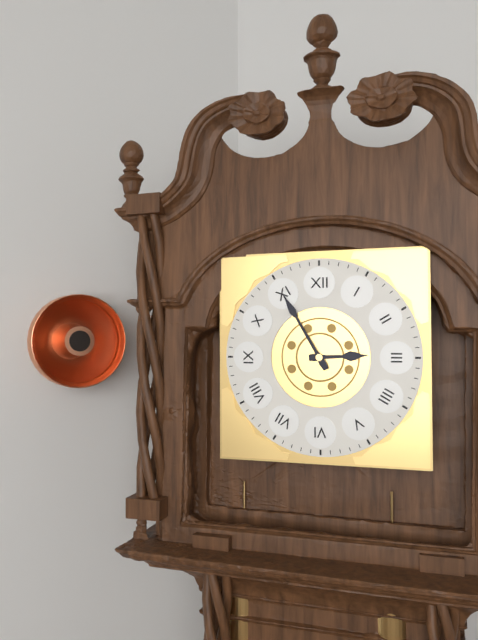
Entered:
2:55
